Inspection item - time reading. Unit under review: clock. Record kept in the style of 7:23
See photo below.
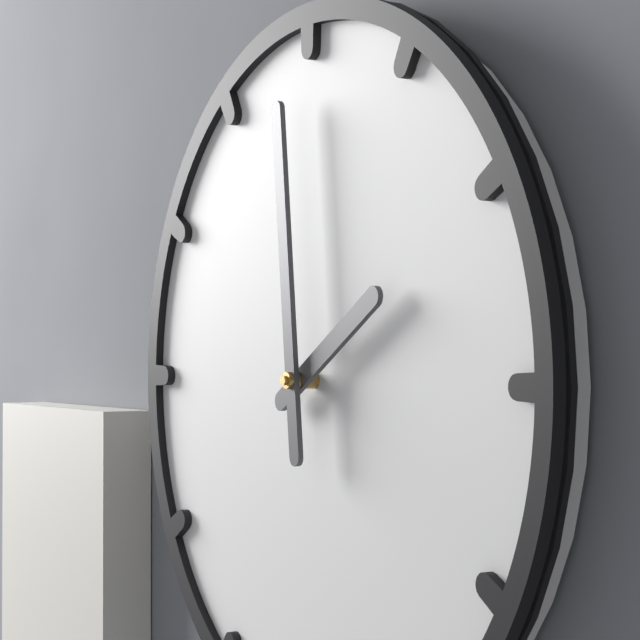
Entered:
1:59
